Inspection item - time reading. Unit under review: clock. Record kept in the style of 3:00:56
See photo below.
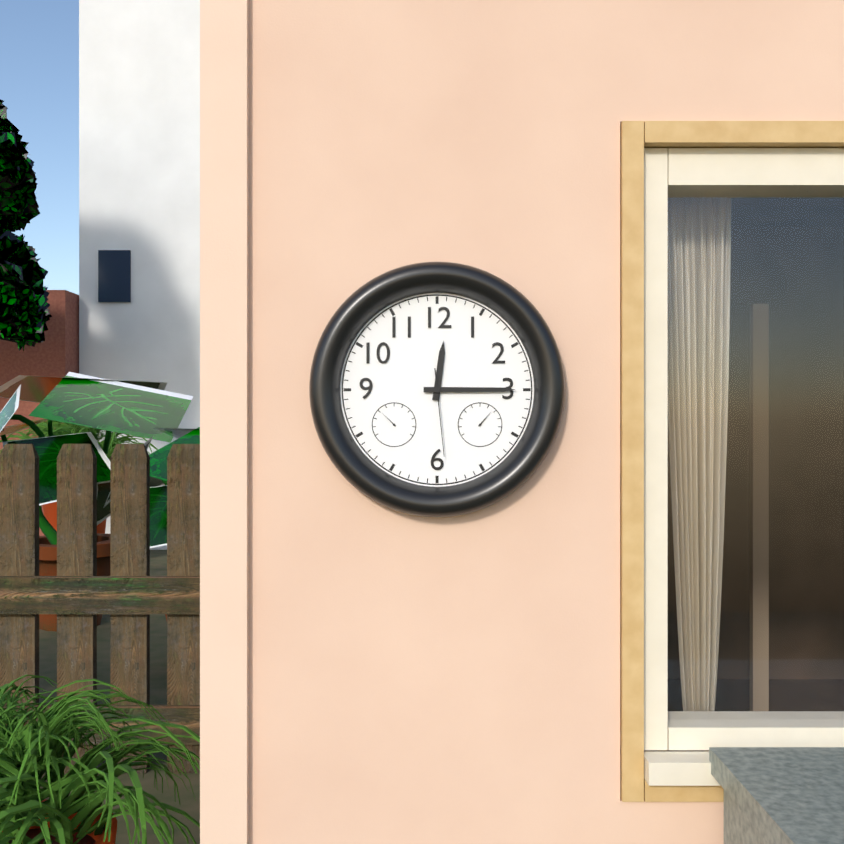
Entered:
12:15:29
